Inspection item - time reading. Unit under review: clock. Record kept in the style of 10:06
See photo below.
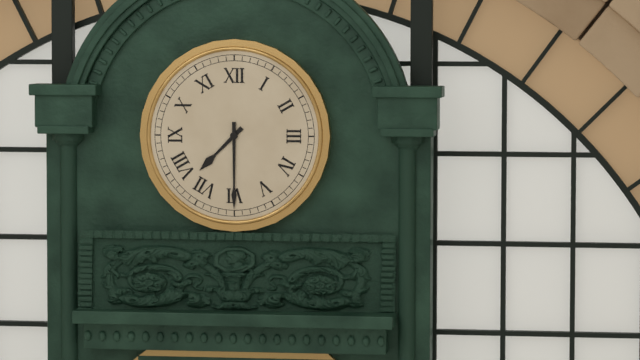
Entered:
7:30
